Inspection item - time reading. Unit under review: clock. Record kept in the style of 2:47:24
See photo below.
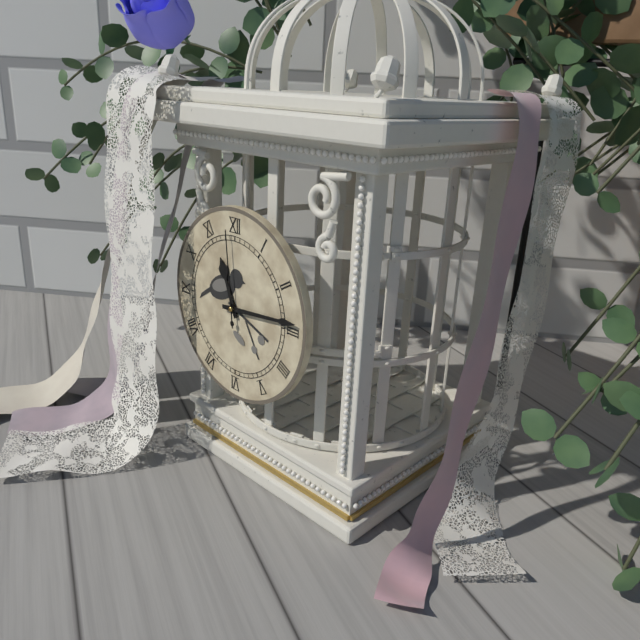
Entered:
11:14:59
